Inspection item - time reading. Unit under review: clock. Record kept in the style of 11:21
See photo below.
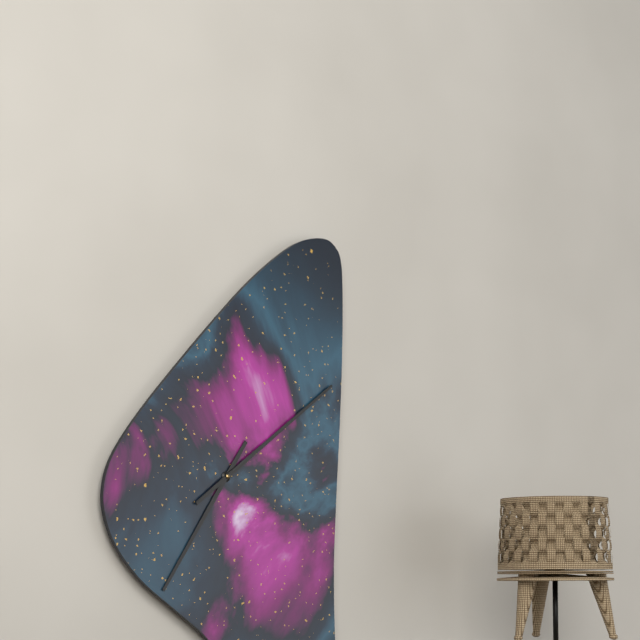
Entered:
7:09
